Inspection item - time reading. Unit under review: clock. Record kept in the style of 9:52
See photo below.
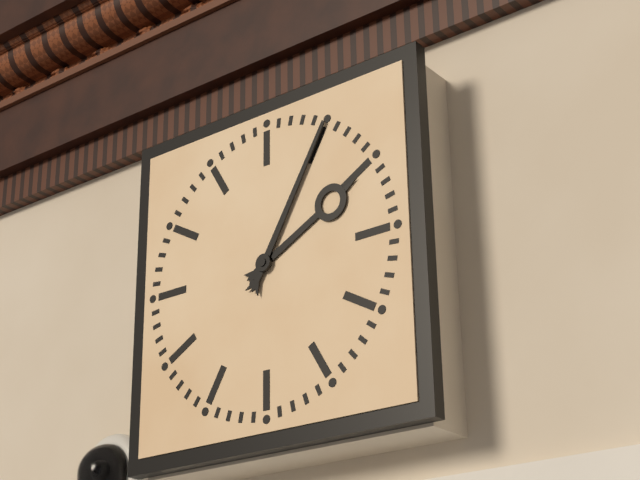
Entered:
2:05
